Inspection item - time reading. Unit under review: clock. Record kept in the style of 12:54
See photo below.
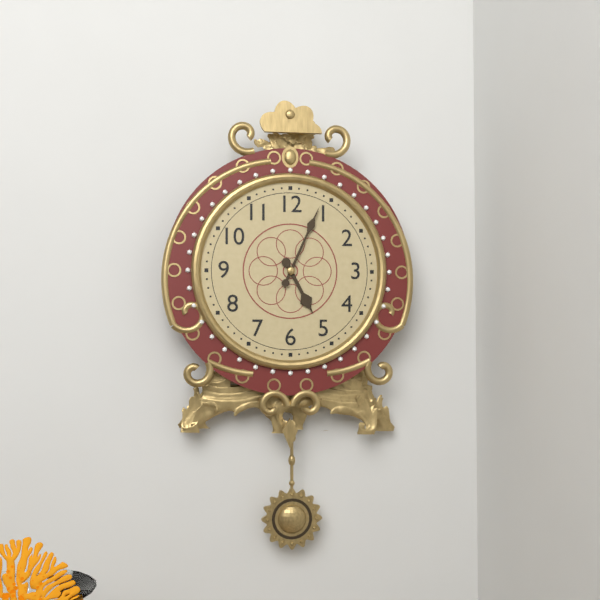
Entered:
5:04
